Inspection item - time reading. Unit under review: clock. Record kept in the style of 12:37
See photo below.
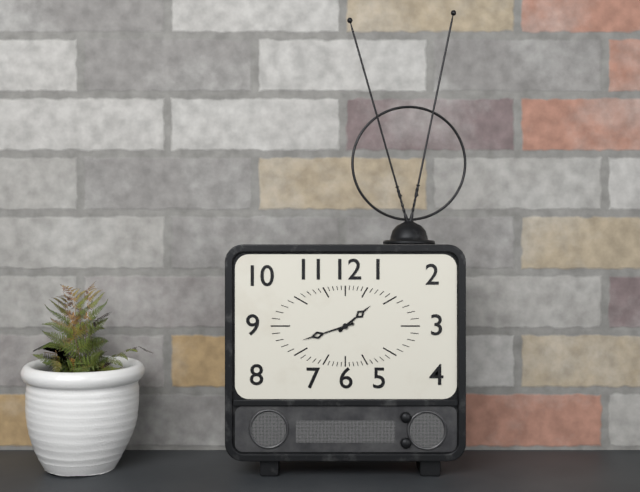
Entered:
1:42
